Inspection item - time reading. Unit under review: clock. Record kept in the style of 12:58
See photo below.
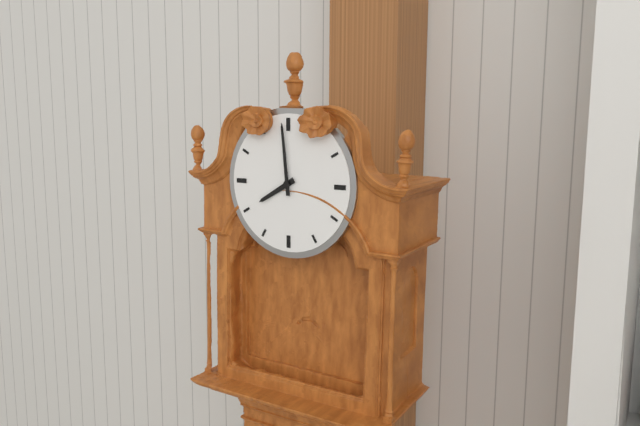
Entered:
7:59
